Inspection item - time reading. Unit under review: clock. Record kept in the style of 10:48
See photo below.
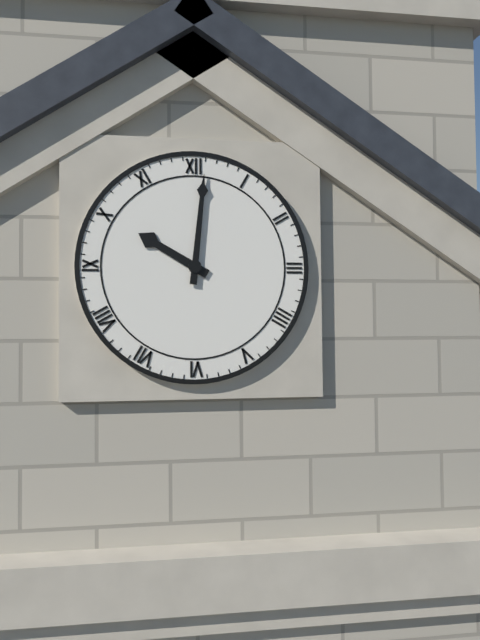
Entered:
10:01
